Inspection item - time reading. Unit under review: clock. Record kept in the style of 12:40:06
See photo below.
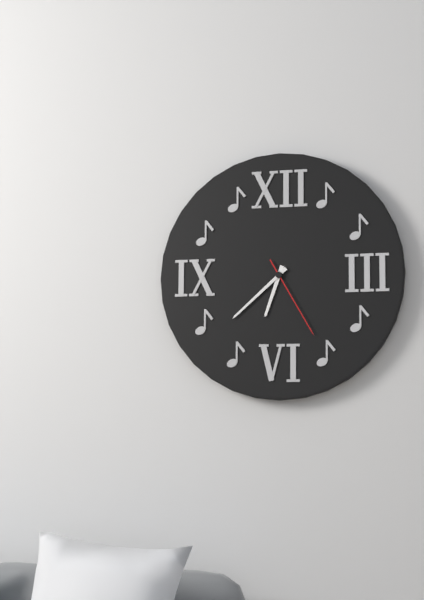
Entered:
6:38:25
